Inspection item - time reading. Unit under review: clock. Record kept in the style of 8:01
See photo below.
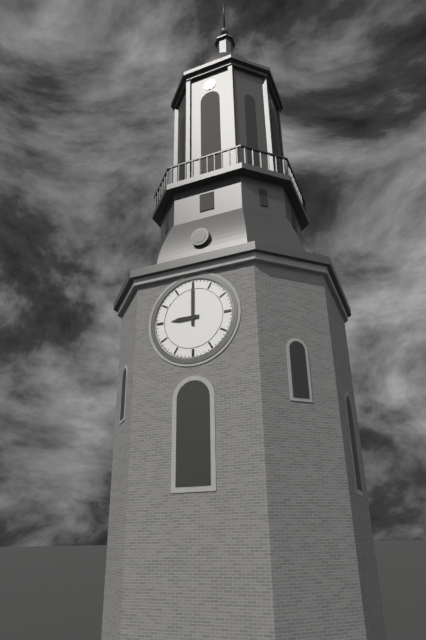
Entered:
9:00
